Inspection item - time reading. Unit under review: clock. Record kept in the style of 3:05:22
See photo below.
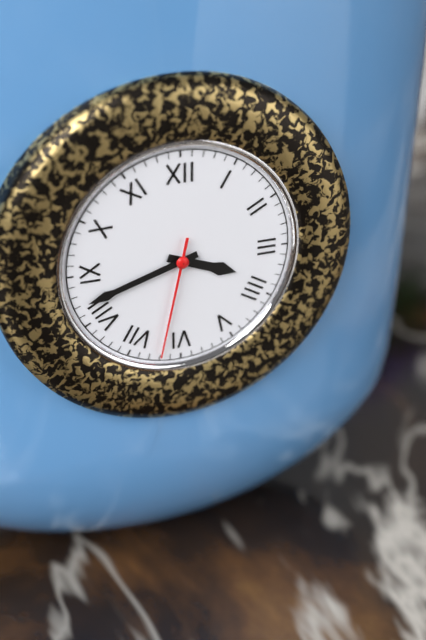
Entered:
3:42:32
